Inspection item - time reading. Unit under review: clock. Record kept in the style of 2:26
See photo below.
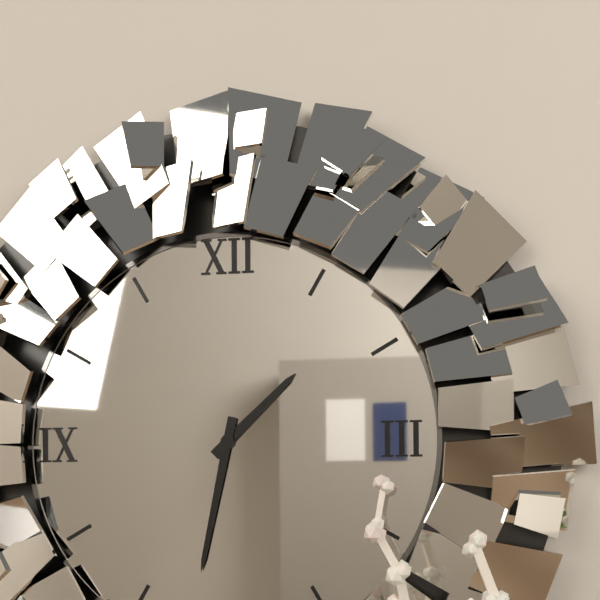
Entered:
1:32
